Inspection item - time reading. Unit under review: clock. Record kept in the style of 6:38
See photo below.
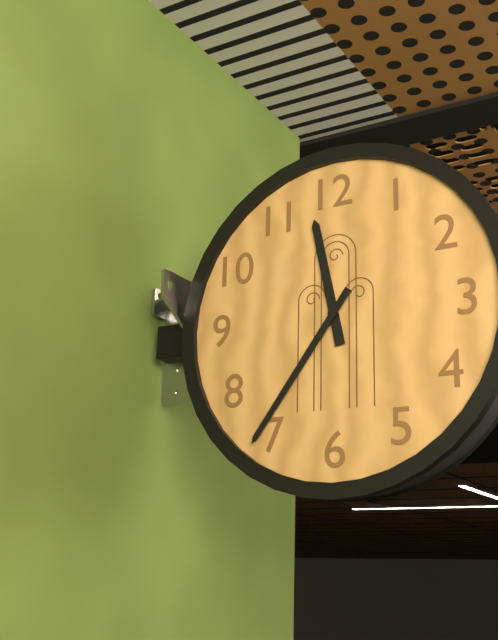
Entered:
11:36
